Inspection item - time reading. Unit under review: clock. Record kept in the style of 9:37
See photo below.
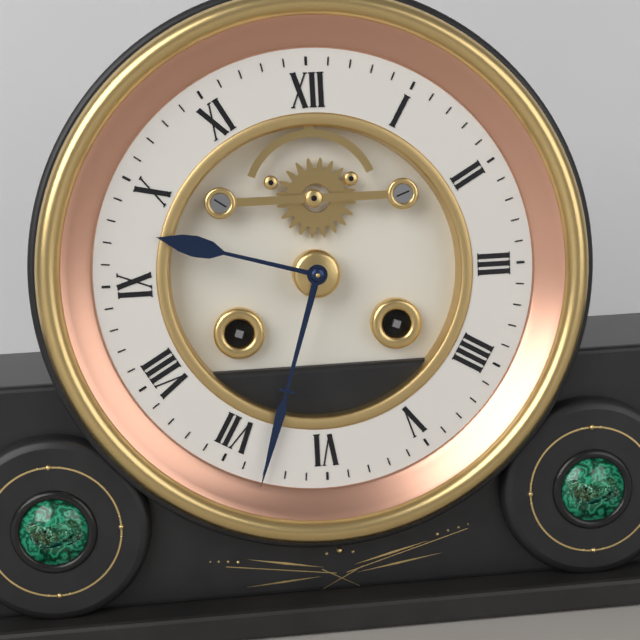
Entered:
9:33
